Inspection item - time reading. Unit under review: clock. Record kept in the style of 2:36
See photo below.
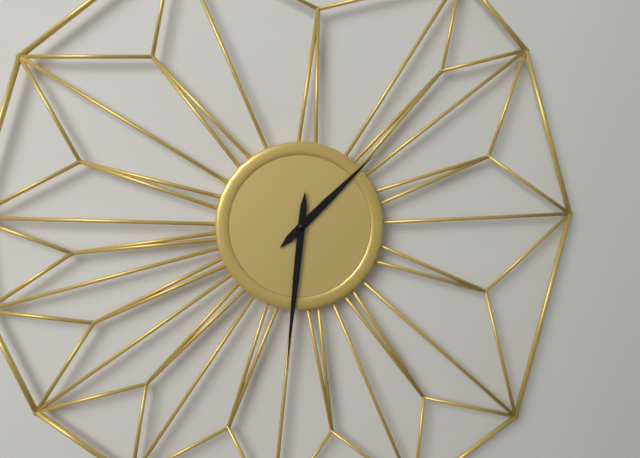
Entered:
1:31
